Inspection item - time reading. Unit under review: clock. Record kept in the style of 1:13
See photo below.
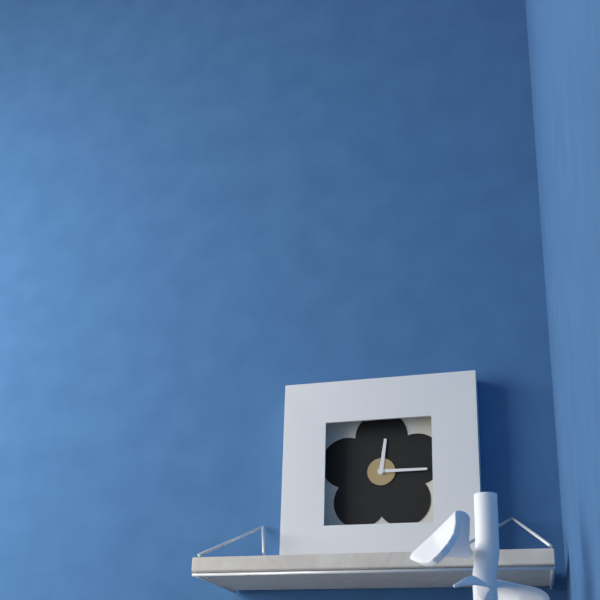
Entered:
12:15
